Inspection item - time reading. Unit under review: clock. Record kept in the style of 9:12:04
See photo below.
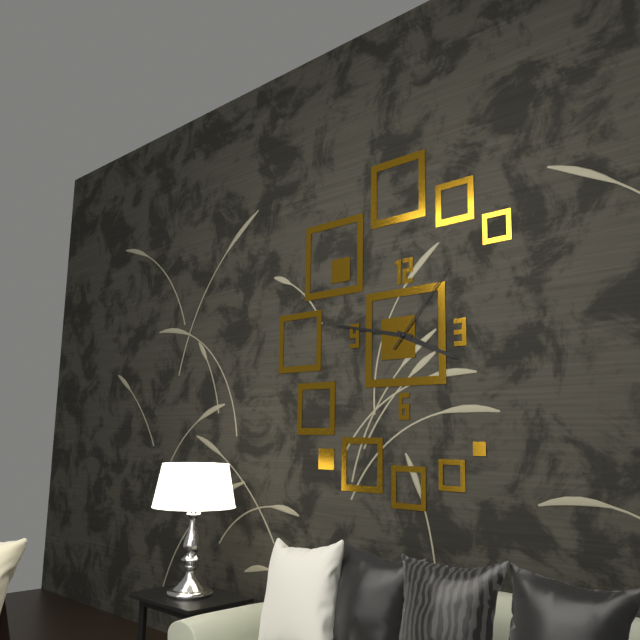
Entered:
3:47:07
